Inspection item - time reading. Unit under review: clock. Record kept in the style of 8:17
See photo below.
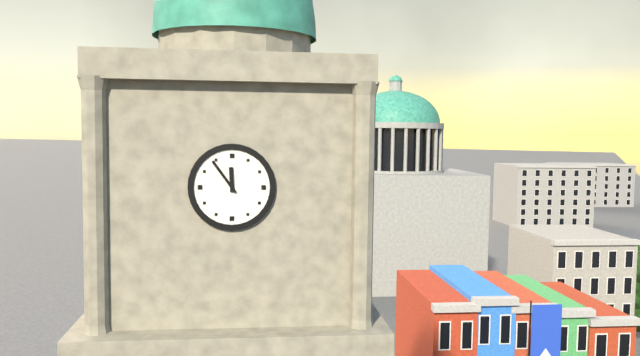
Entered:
11:54
